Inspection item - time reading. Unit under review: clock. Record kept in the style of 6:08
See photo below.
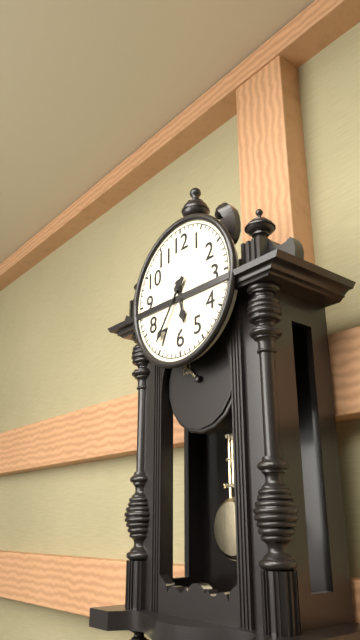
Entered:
5:36
